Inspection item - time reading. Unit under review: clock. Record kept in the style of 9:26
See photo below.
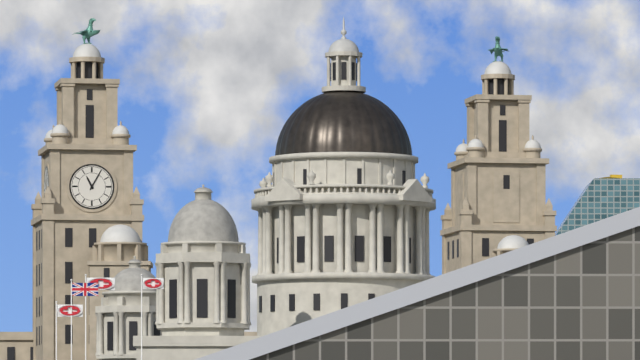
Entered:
11:05
